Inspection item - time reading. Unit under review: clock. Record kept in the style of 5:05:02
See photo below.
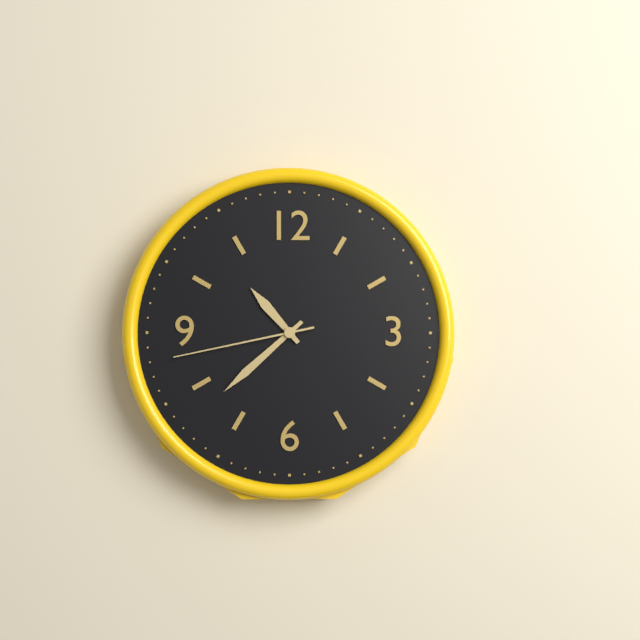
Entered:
10:38:43
